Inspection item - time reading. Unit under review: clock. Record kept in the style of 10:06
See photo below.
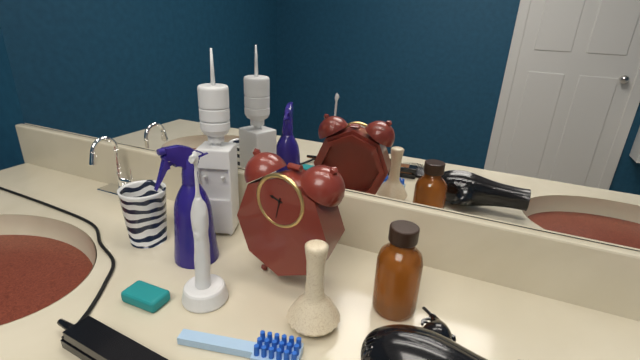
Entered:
9:32
